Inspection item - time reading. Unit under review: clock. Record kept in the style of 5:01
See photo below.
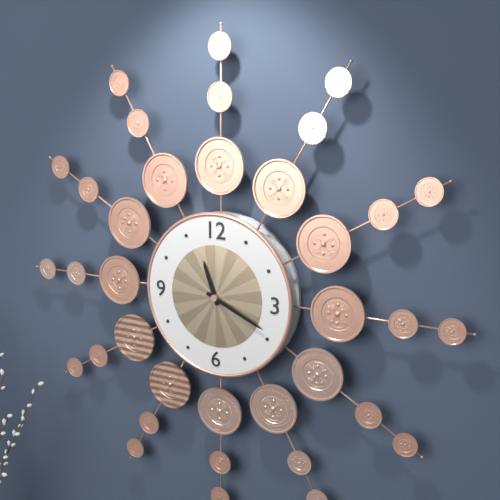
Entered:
11:19
